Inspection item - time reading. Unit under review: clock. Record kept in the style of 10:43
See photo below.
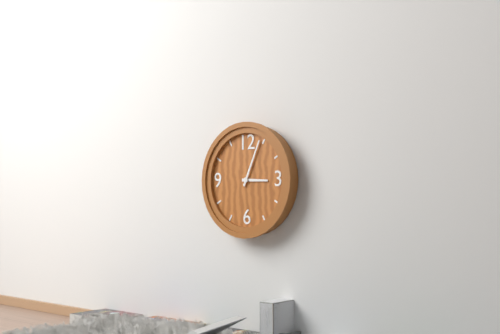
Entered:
3:04
